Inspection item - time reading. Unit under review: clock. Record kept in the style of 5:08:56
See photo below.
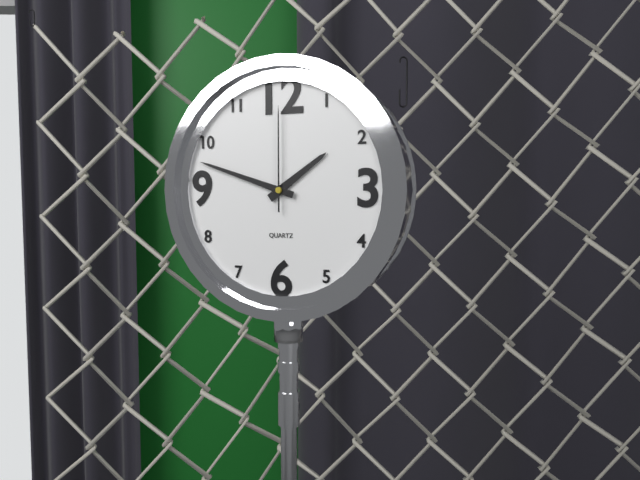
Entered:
1:48:00
